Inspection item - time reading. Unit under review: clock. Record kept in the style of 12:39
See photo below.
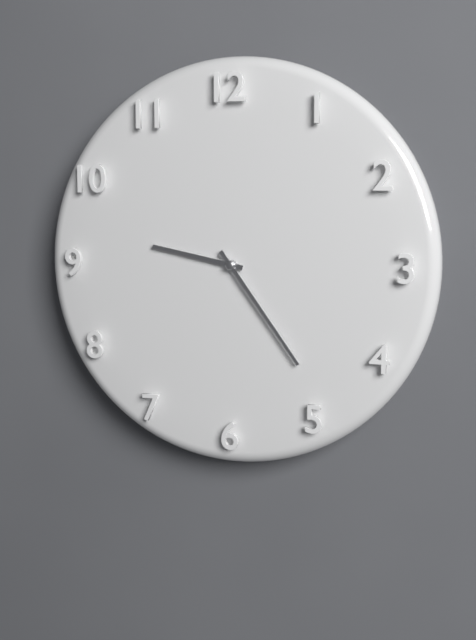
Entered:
9:24
